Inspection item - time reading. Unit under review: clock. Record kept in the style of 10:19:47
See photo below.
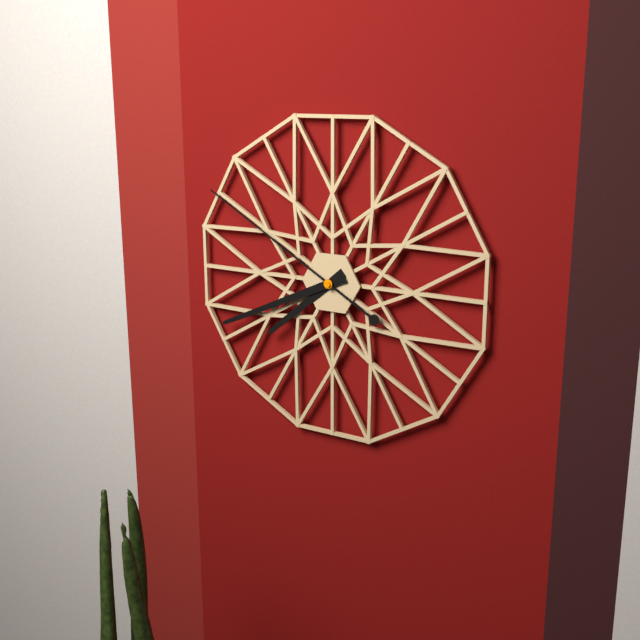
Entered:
7:41:50
